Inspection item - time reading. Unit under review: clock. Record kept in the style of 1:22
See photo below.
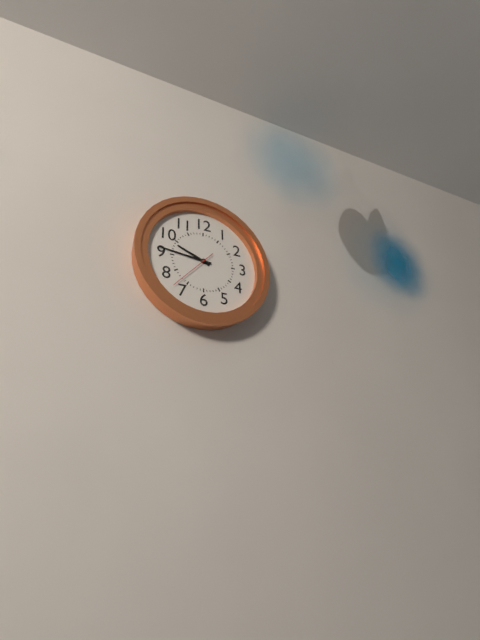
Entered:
9:46
